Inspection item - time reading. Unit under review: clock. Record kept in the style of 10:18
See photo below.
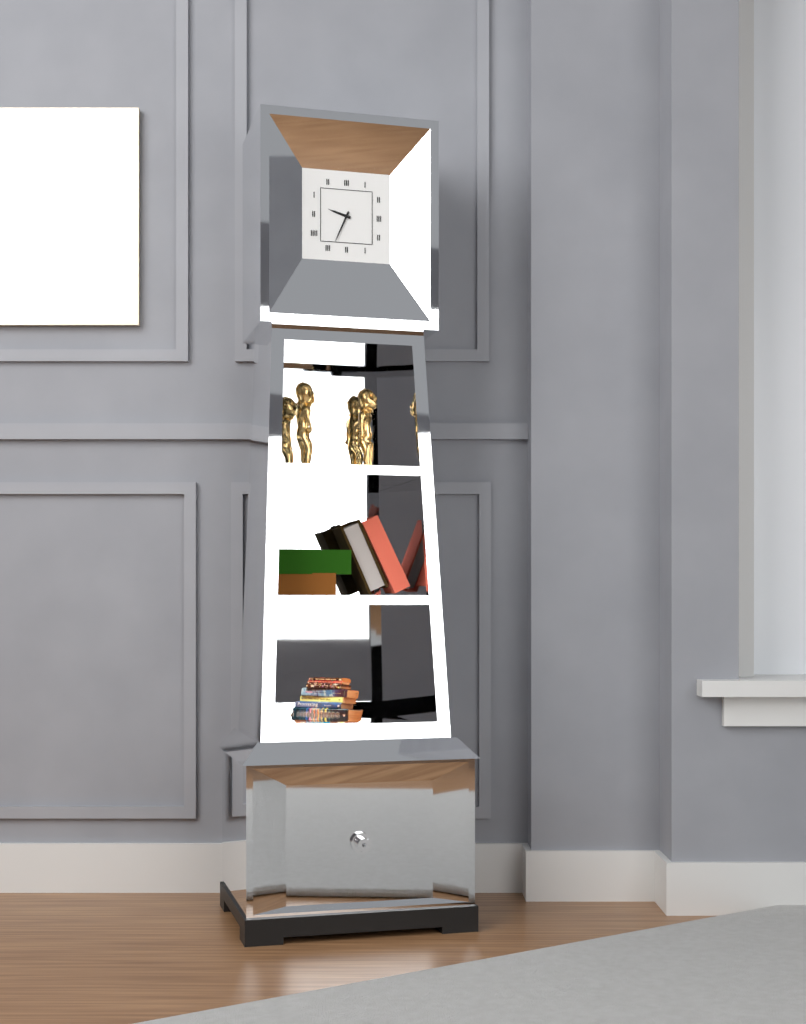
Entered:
9:34
